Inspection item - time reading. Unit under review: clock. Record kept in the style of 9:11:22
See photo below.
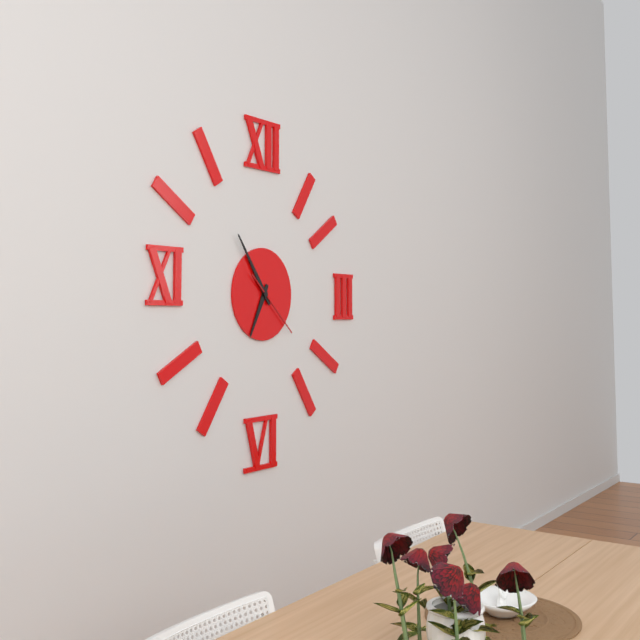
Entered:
6:54:22
